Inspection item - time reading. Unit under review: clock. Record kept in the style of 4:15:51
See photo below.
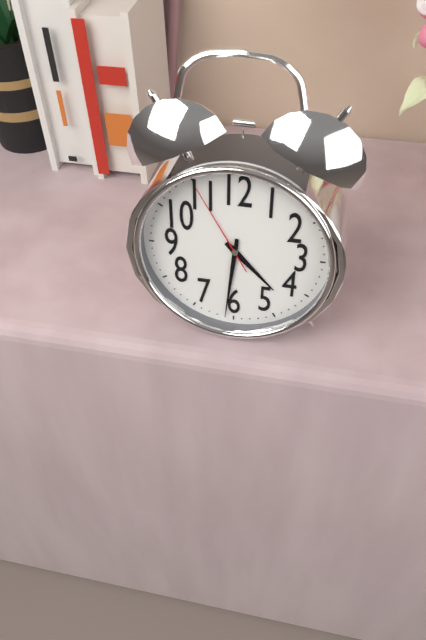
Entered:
4:31:55
